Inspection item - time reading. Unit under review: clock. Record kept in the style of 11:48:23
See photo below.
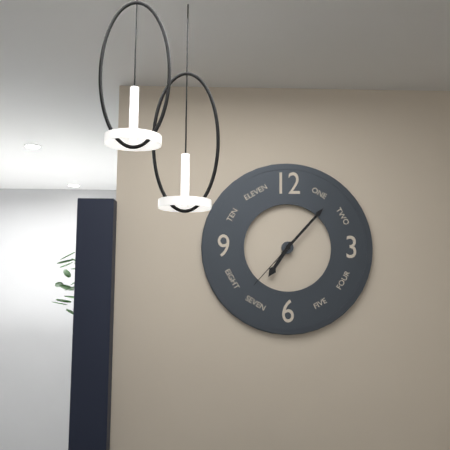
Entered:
7:07:37
